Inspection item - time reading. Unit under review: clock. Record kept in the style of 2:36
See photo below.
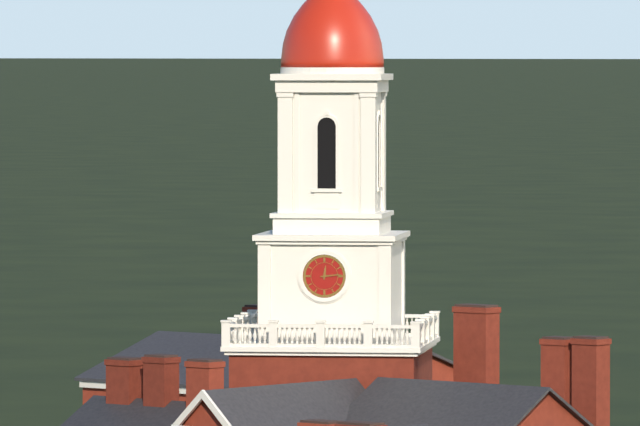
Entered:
12:14
